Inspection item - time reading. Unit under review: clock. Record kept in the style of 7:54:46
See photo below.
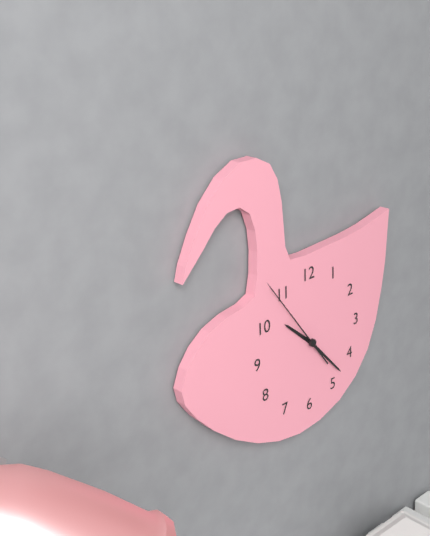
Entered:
10:23:54
